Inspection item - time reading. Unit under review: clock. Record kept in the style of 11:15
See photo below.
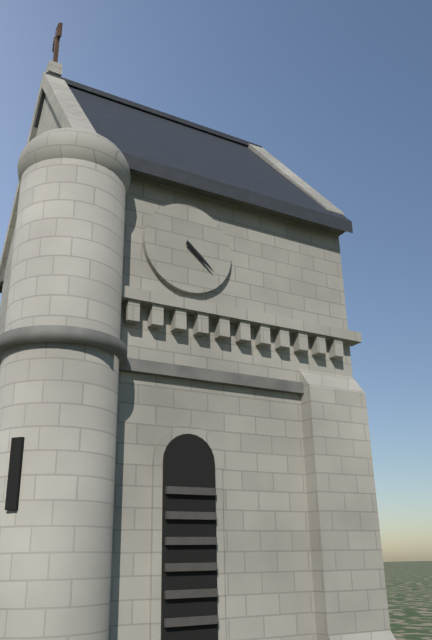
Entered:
4:22
